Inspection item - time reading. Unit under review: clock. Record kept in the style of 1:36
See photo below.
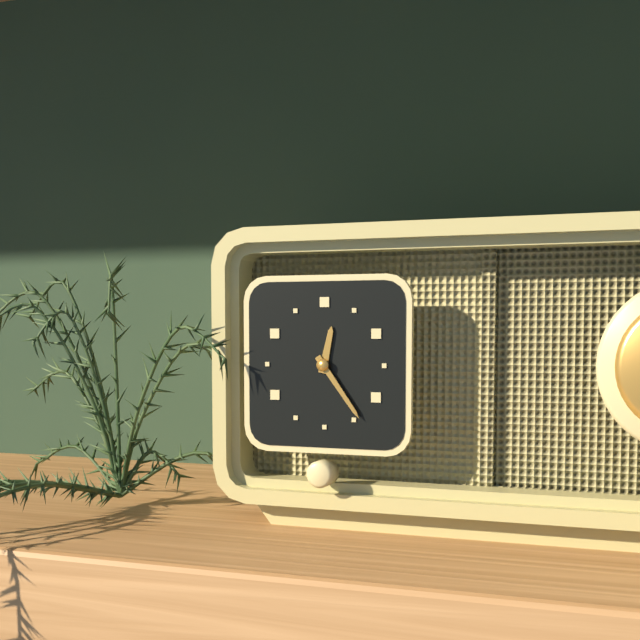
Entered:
12:24
